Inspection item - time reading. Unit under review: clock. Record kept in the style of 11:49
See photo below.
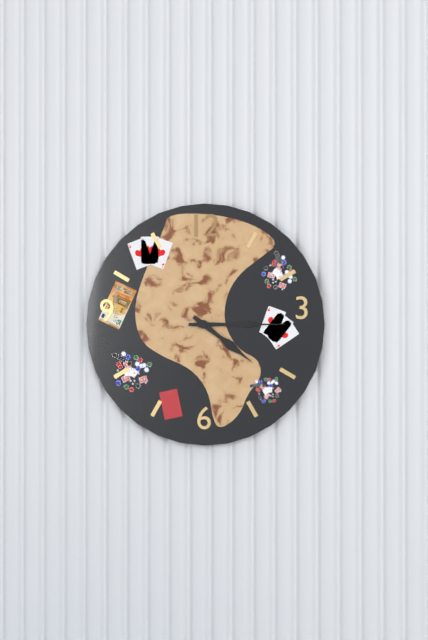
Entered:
4:15
